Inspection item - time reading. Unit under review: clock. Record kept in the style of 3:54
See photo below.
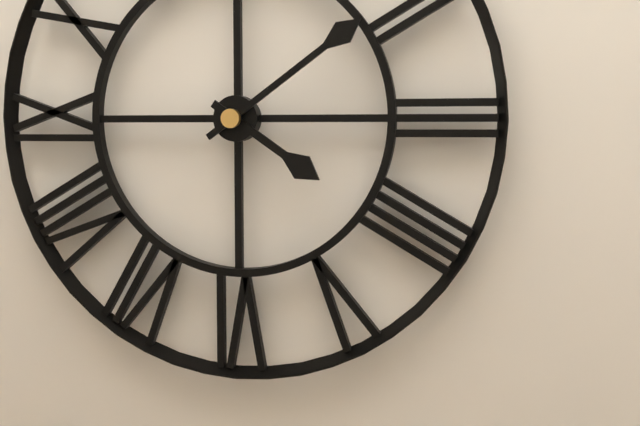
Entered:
4:09
